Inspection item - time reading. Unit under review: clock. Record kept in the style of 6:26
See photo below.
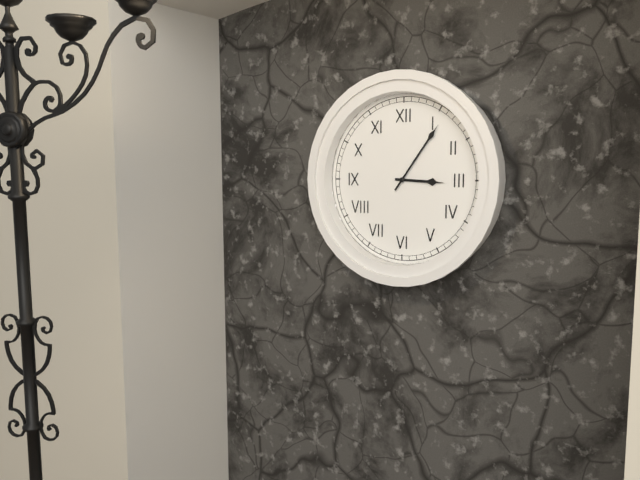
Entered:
3:06
